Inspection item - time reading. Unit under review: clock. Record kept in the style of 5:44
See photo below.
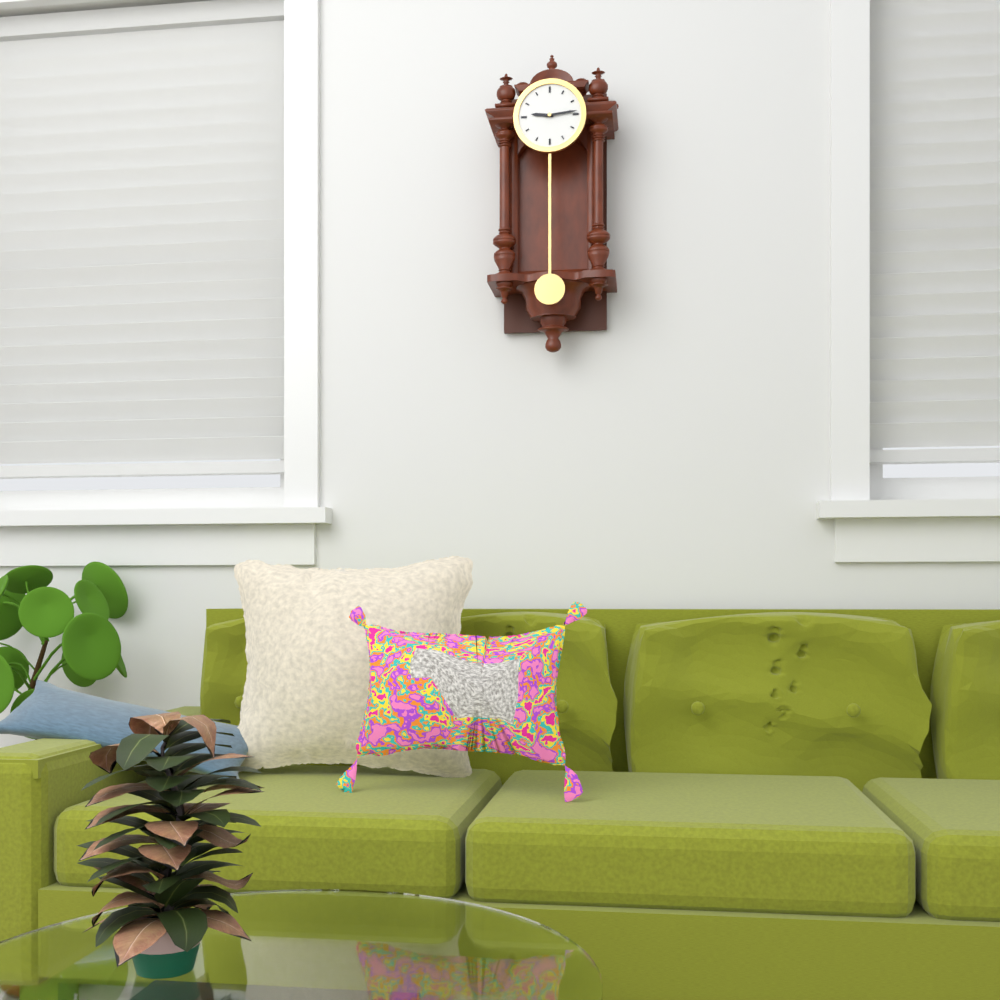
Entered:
9:14
